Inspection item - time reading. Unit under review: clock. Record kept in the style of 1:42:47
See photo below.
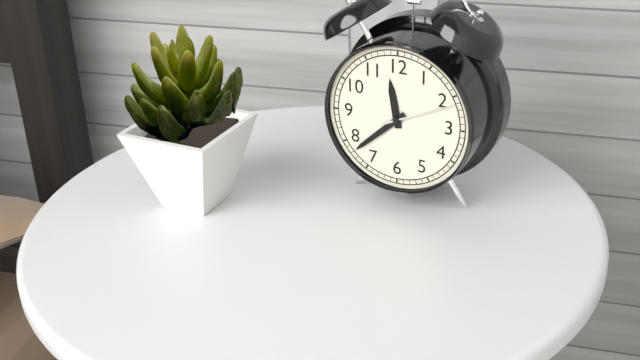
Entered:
11:38:11
